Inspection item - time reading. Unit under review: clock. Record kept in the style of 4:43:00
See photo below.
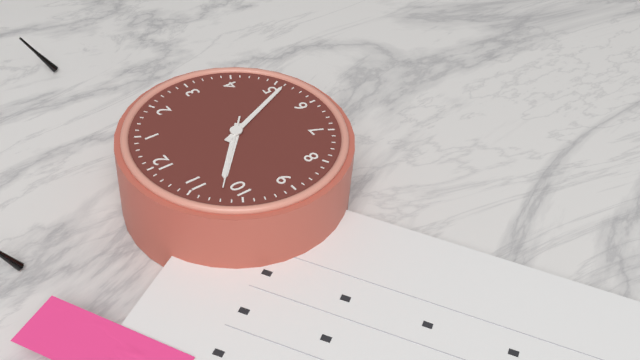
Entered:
10:26:52
